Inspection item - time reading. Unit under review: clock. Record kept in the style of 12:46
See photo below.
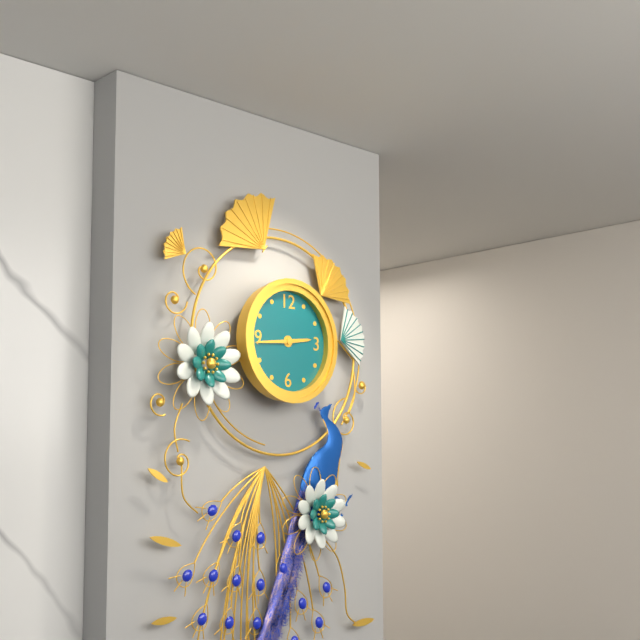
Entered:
2:44
